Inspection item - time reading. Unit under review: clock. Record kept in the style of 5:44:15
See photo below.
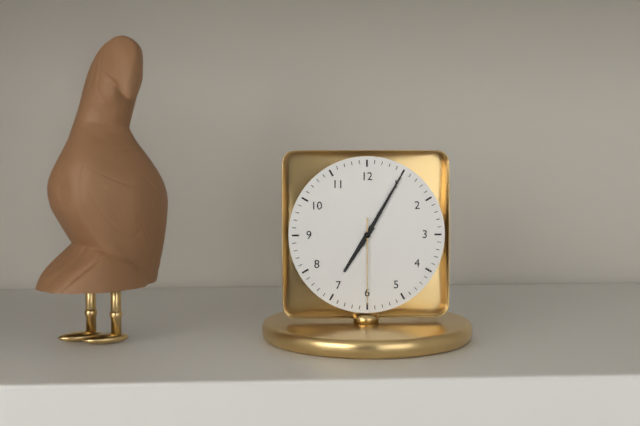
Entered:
7:05:30
